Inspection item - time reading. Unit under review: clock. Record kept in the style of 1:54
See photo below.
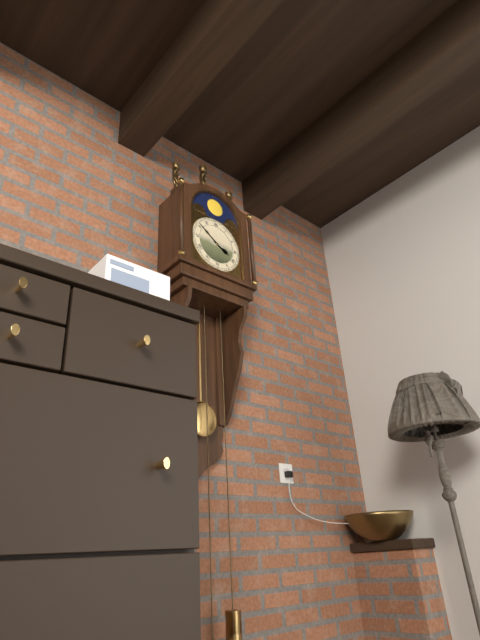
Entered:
3:51
